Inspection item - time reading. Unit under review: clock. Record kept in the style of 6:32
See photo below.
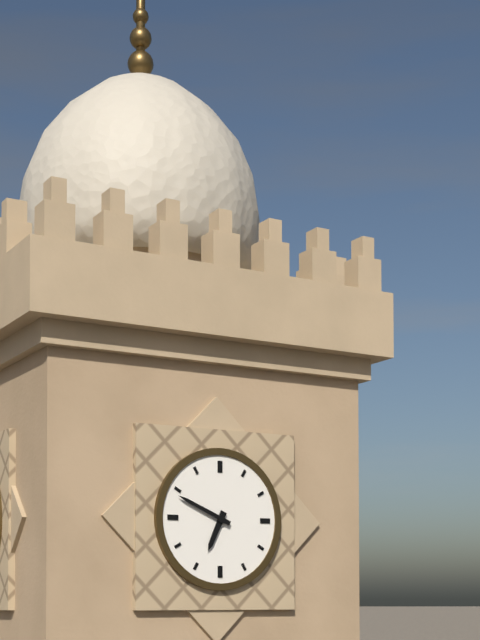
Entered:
6:49
